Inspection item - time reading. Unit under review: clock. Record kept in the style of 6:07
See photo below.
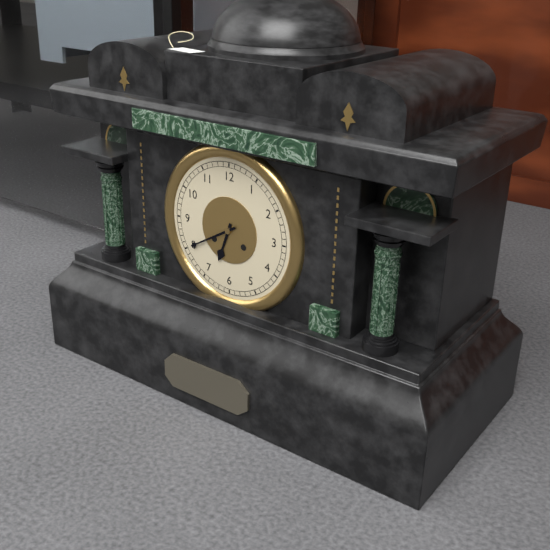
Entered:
6:40
